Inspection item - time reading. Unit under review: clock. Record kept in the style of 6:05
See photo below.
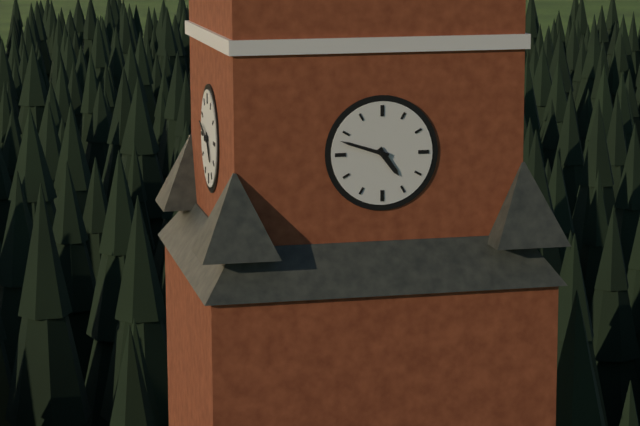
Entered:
4:48
